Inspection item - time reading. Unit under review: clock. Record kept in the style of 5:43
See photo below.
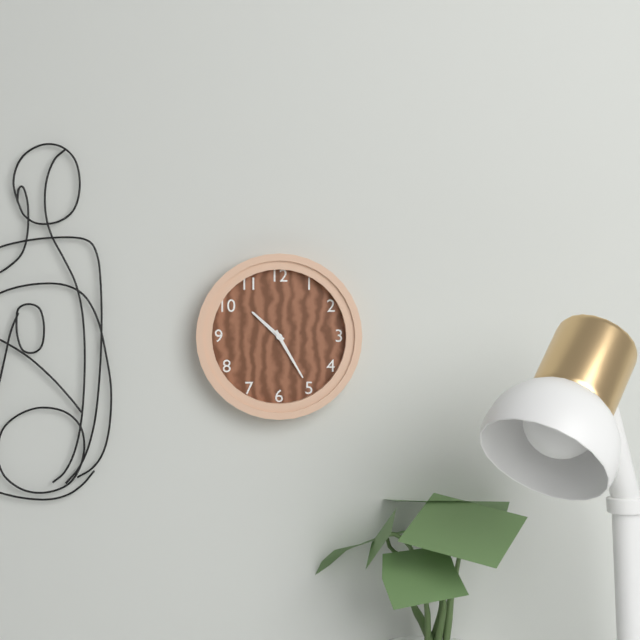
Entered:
10:25
